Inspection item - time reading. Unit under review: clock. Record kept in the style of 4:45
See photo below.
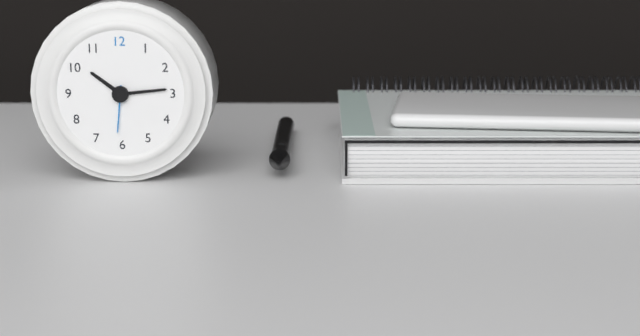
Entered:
10:14
